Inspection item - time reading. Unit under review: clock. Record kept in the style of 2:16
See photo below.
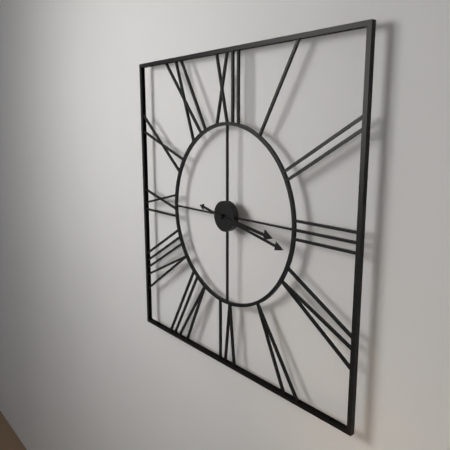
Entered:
3:17
